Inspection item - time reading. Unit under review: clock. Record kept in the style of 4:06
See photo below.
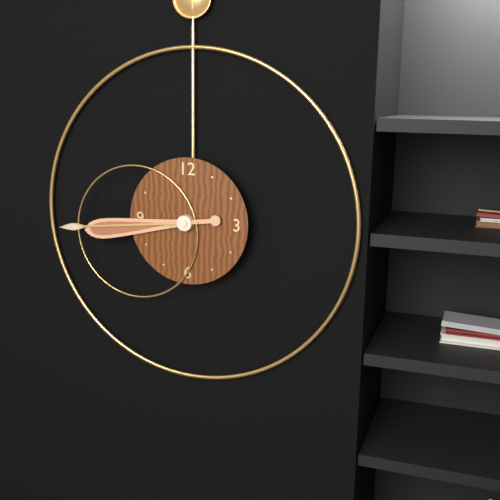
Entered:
8:44
